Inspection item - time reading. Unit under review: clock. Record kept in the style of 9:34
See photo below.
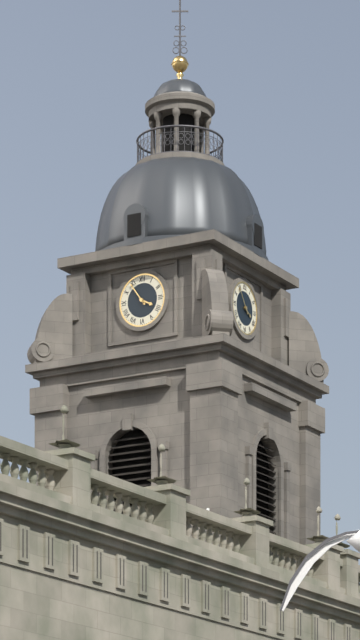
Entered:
3:54
